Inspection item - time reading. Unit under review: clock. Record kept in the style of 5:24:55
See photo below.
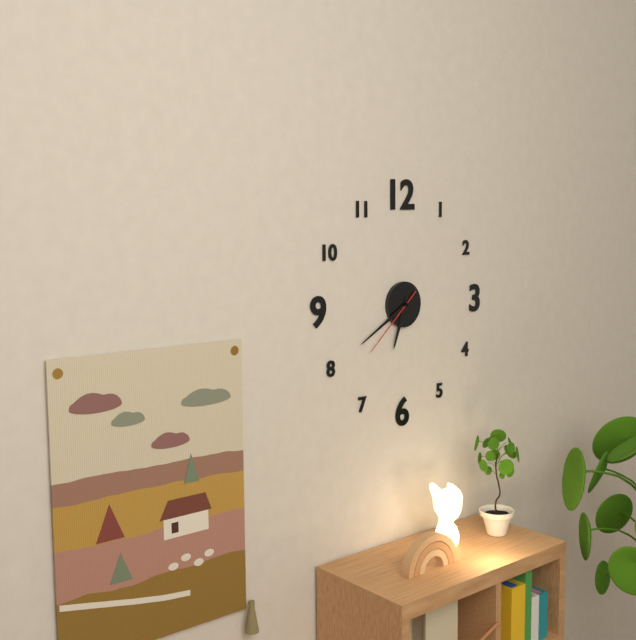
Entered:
6:40:38
